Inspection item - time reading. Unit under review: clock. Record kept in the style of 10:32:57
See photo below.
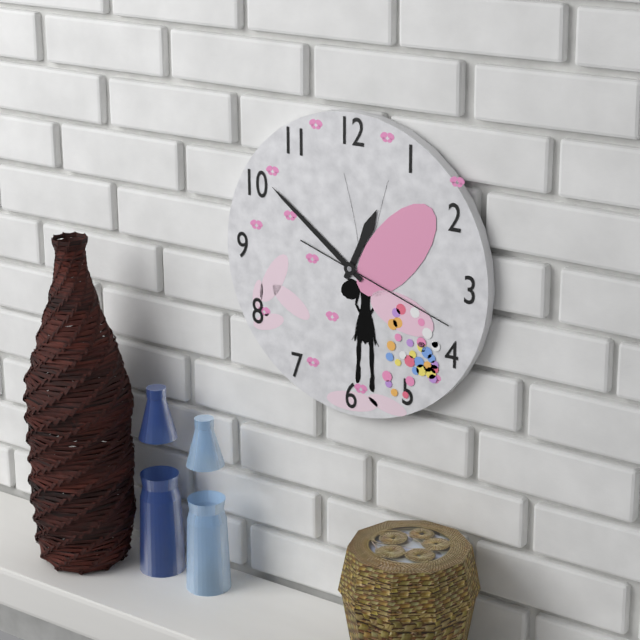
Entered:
12:51:18
